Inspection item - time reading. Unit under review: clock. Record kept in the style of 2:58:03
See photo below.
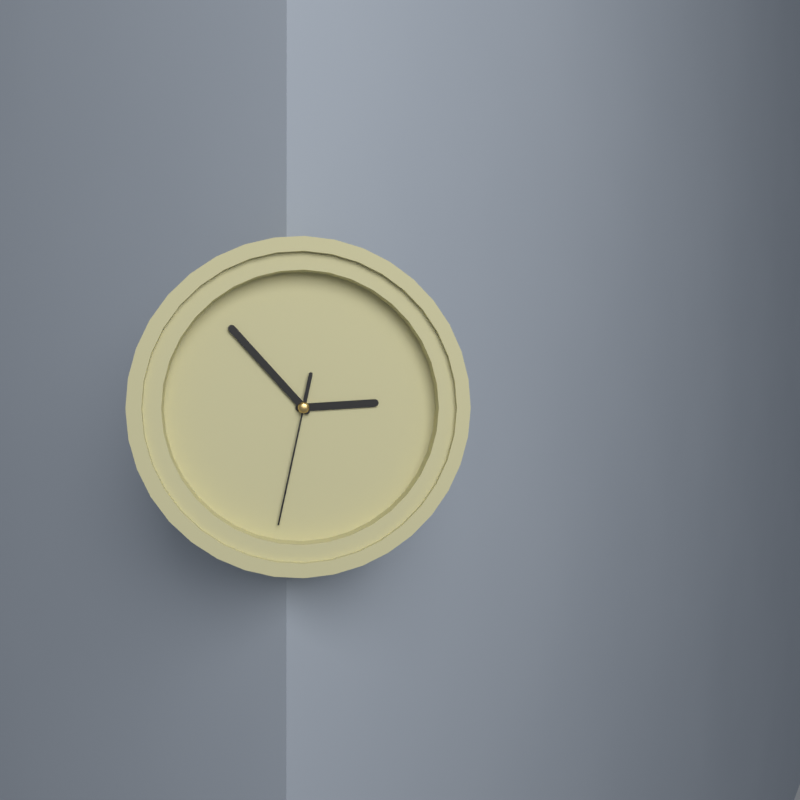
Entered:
2:53:32
